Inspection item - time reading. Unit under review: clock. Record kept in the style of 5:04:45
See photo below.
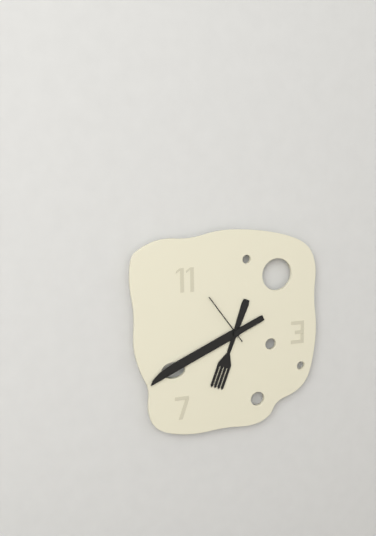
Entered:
6:41:54
